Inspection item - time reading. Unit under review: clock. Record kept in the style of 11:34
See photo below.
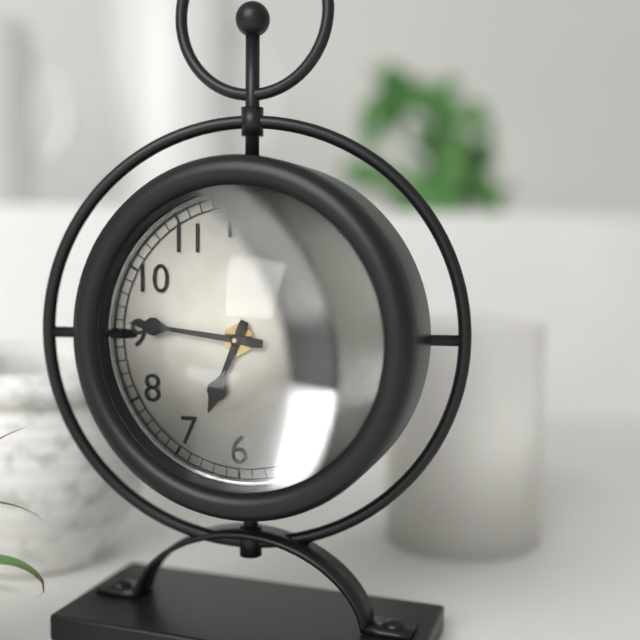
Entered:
6:46
